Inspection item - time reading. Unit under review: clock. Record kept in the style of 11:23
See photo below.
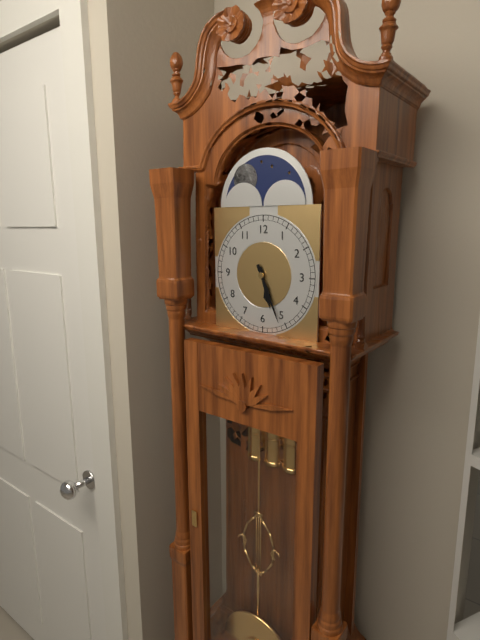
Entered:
5:26
